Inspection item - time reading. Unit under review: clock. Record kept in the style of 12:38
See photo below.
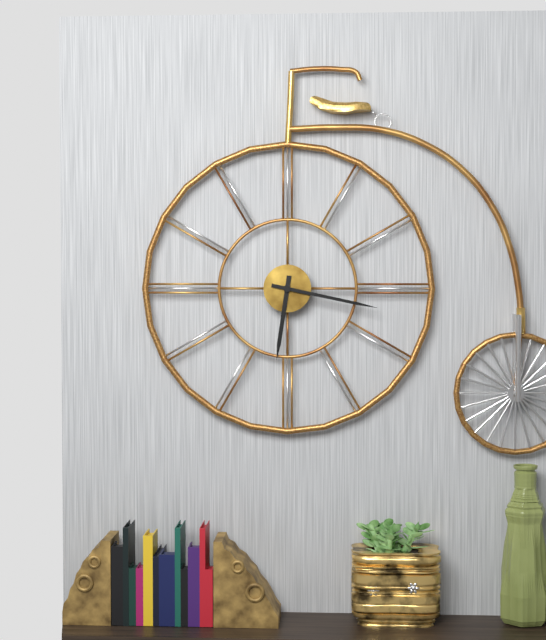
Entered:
6:17
